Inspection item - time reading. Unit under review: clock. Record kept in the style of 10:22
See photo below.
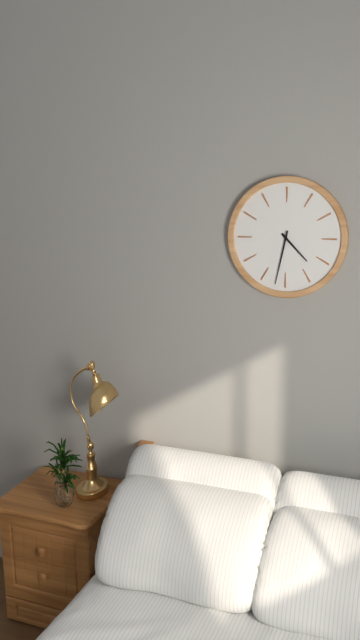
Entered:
4:32
